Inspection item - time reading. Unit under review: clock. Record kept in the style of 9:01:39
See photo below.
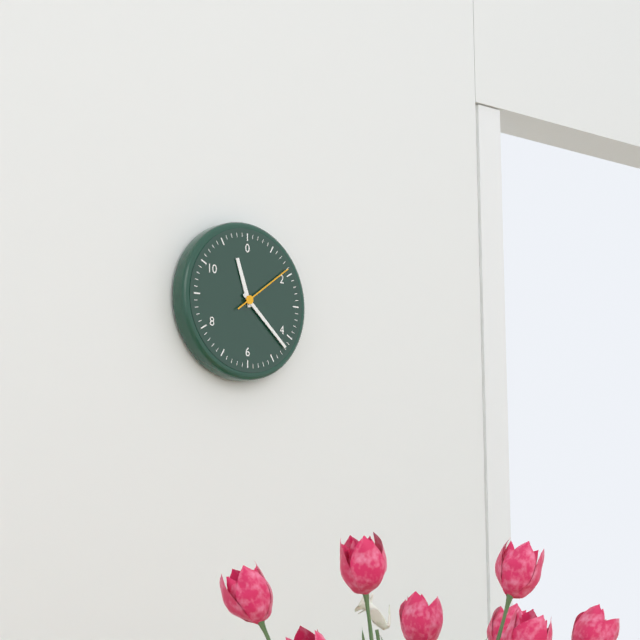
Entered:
11:22:09
